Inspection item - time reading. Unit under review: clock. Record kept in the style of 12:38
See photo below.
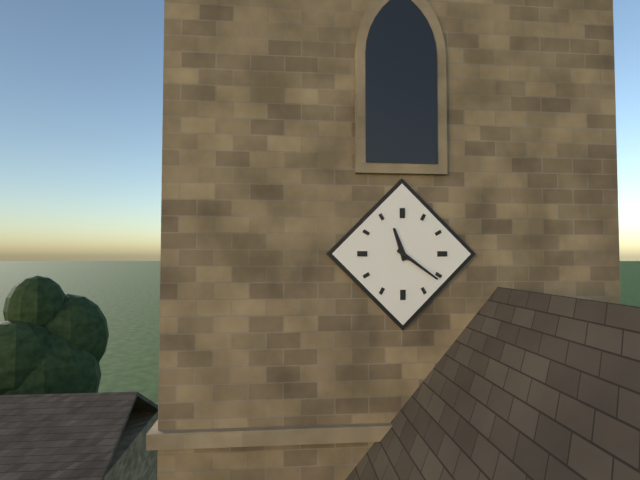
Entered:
11:21
